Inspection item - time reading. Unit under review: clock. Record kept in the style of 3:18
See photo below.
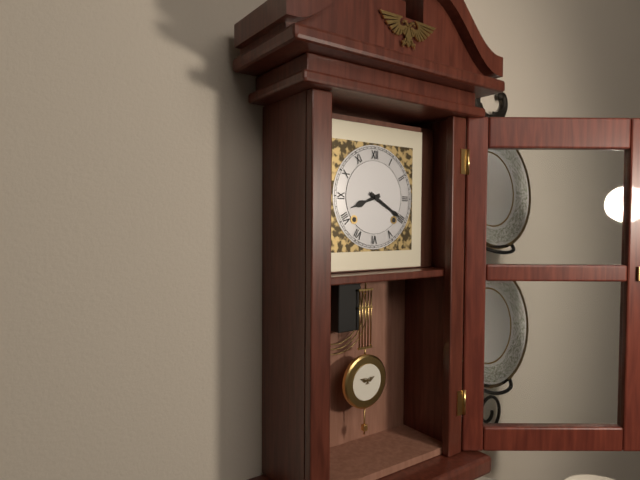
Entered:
8:20
